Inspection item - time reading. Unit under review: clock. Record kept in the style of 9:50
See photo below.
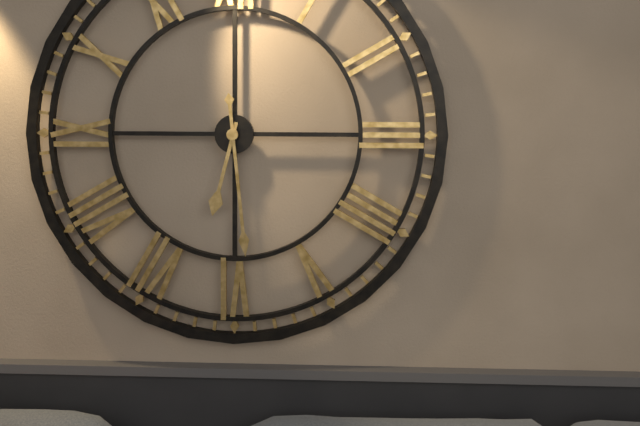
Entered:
6:29
